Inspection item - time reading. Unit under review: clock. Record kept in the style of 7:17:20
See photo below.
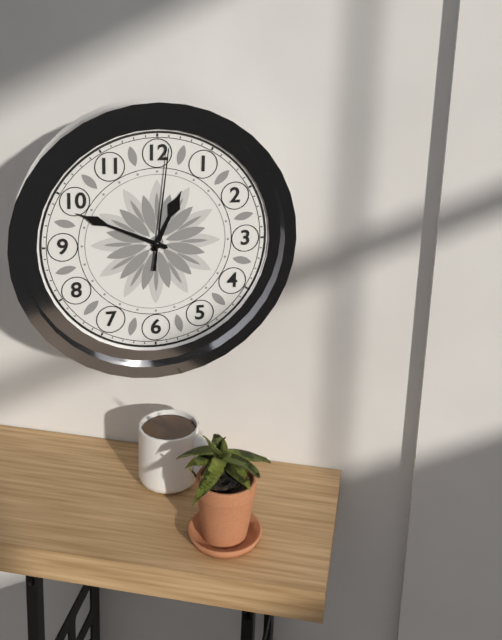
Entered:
12:49:01
